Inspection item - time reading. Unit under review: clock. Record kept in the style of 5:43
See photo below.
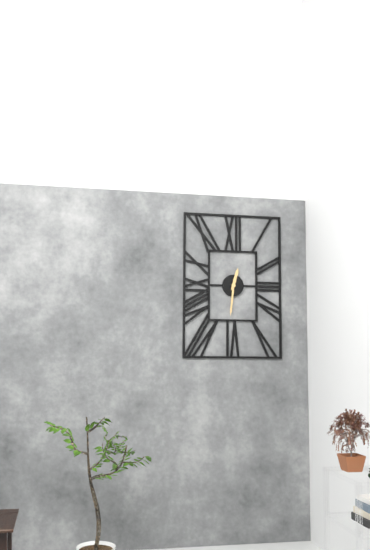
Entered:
12:31
